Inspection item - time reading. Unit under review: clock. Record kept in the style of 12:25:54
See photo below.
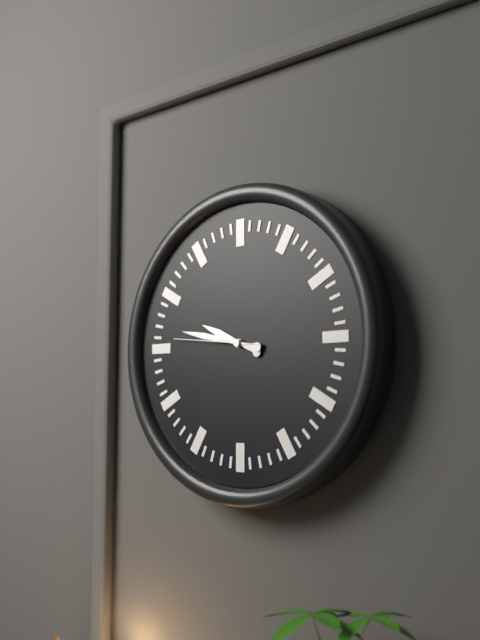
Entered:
9:47:46
